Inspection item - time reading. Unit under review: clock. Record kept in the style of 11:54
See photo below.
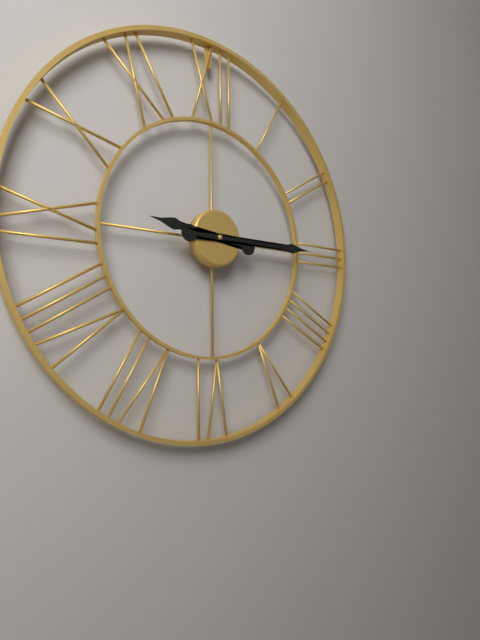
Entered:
9:15
